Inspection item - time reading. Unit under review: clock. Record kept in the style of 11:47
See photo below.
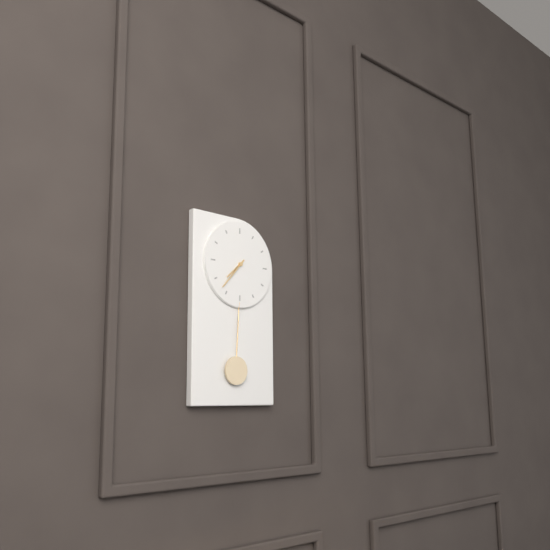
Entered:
7:37
